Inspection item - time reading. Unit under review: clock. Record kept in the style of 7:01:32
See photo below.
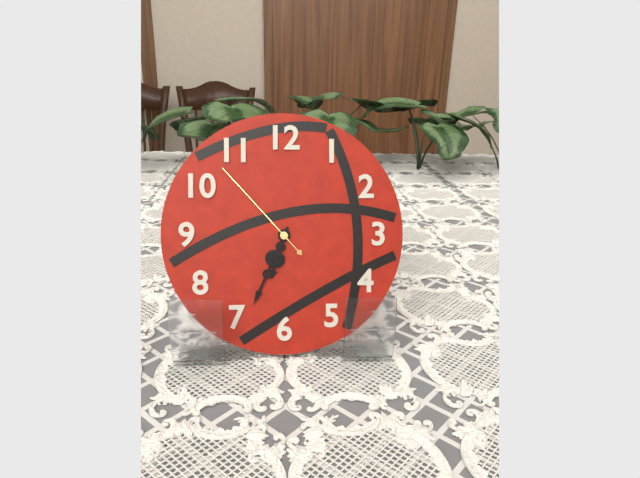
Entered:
6:34:53
